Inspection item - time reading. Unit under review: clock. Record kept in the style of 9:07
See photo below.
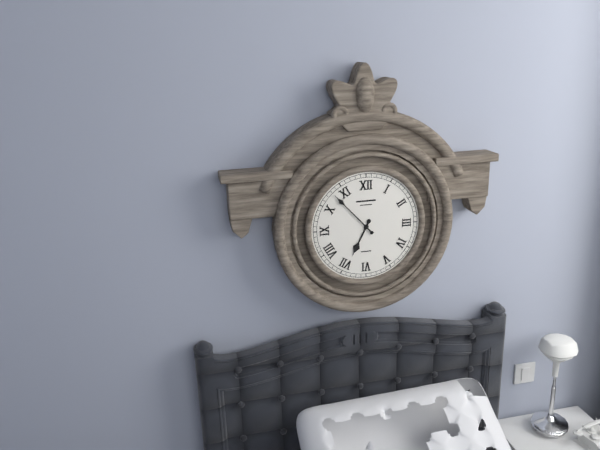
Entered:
6:53
